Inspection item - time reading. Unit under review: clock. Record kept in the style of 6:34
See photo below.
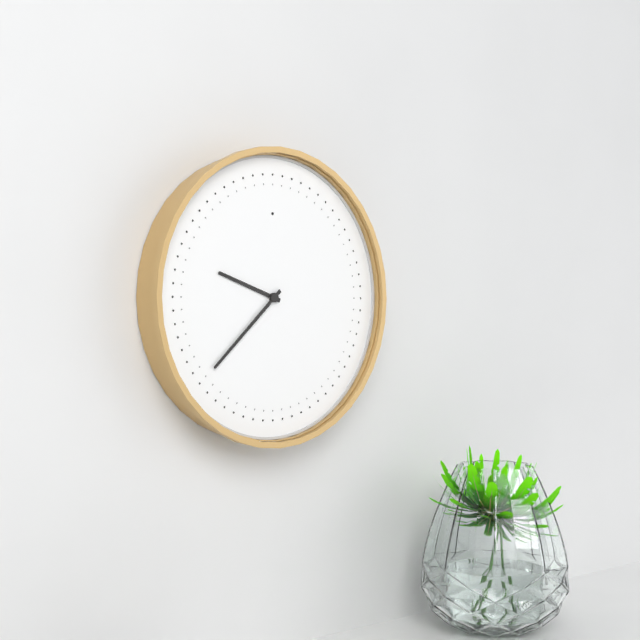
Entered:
9:38
